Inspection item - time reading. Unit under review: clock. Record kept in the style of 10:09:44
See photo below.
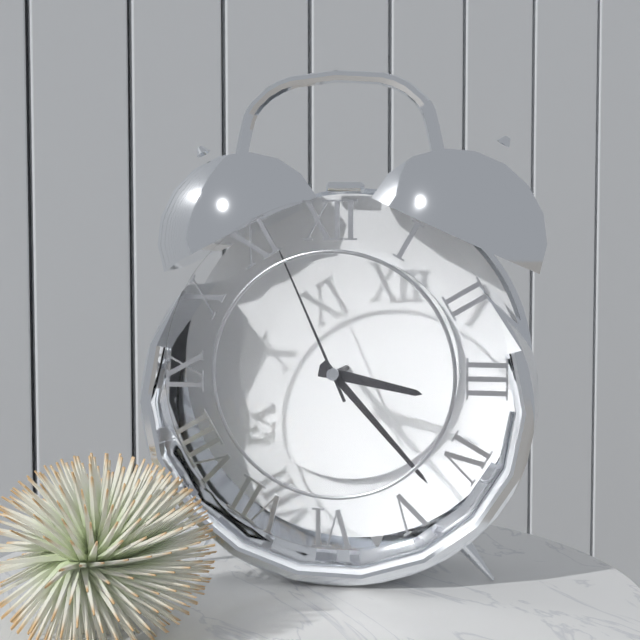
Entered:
3:23:56
